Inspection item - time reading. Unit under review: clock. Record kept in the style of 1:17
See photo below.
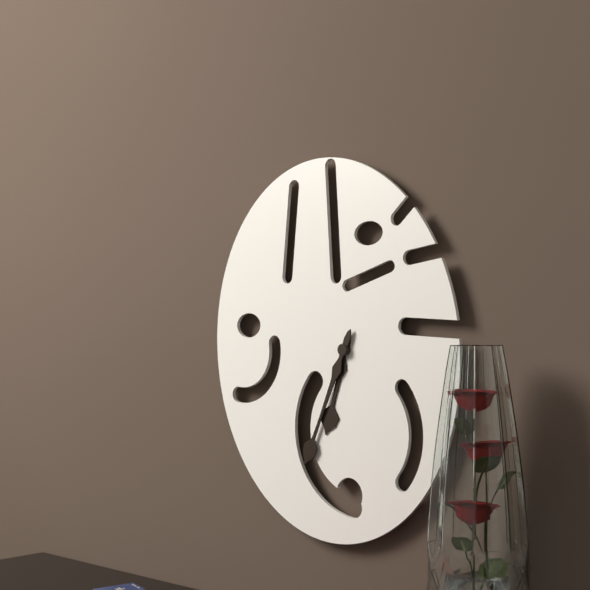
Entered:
6:34
